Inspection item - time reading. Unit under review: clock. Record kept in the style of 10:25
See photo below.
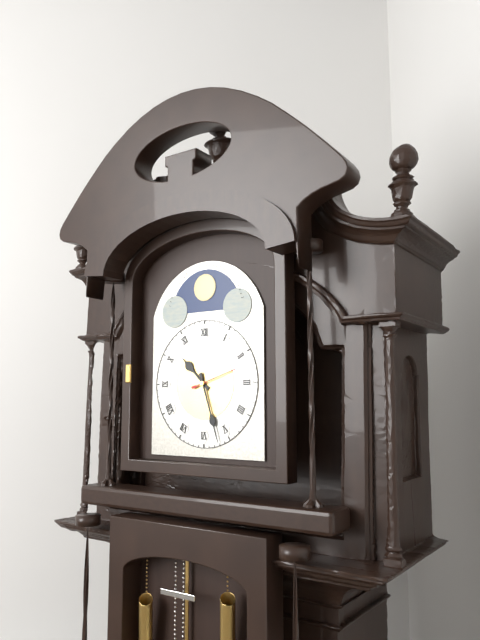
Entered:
10:27
